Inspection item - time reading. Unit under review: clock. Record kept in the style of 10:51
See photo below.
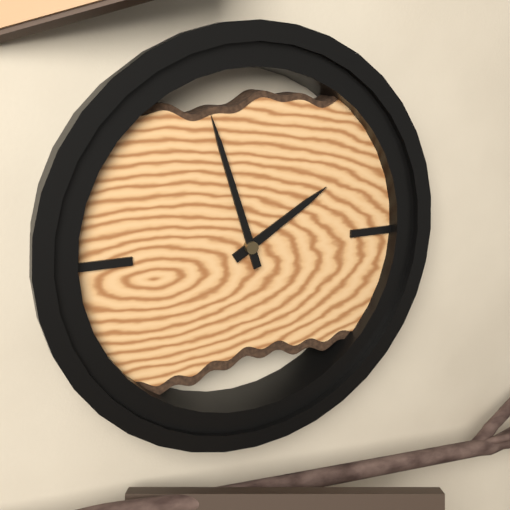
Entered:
1:57
